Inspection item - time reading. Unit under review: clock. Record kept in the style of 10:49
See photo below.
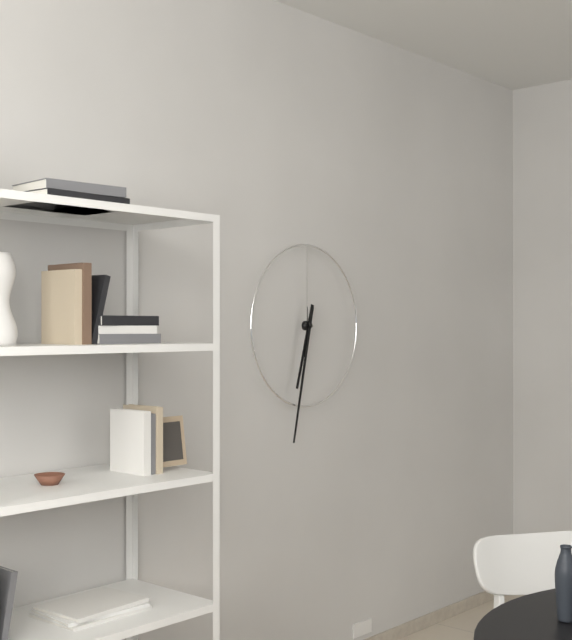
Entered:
6:32
